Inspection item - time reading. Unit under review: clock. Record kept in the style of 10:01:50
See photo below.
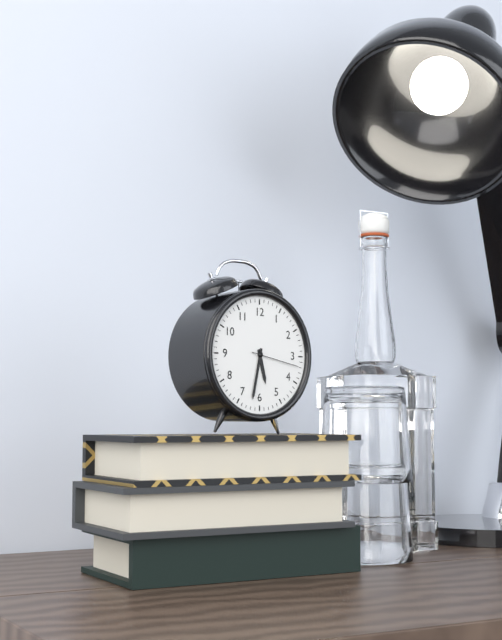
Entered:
5:32:17
